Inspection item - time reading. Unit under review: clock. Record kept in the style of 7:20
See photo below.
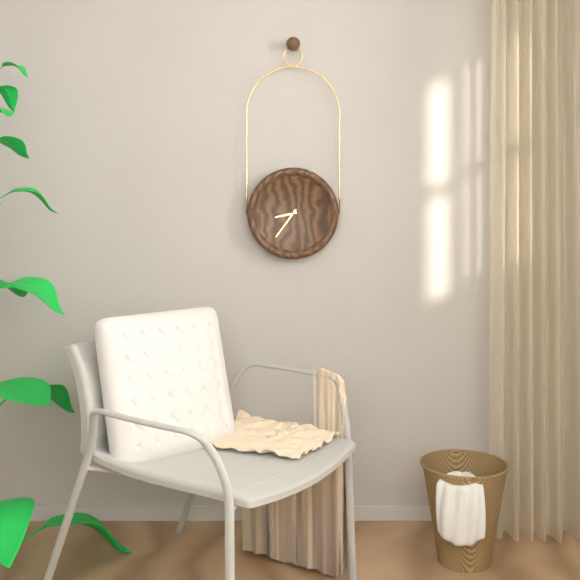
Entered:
8:36
